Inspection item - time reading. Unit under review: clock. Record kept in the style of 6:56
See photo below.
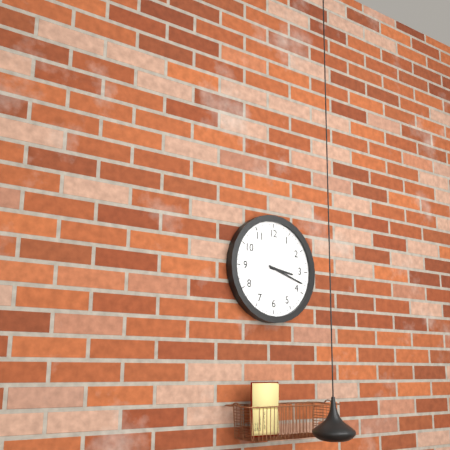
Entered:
3:18
